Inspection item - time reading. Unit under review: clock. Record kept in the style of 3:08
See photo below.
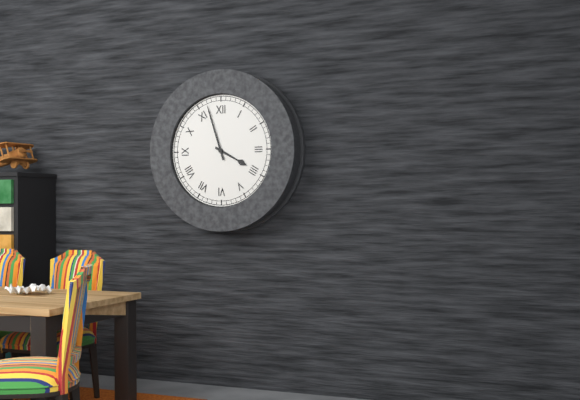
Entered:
3:57
